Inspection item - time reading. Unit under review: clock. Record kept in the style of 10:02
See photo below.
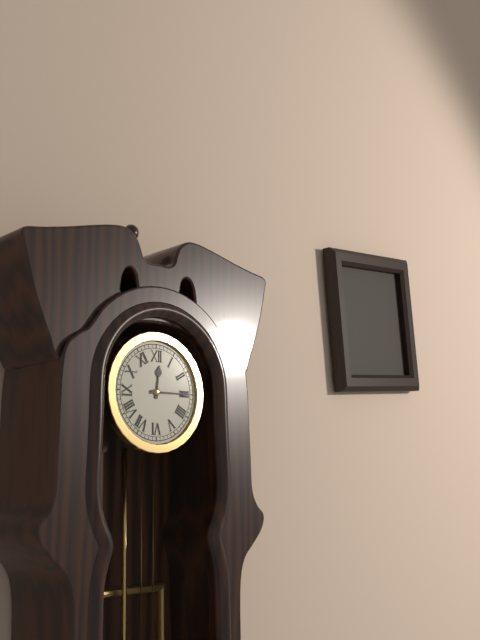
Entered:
12:15
